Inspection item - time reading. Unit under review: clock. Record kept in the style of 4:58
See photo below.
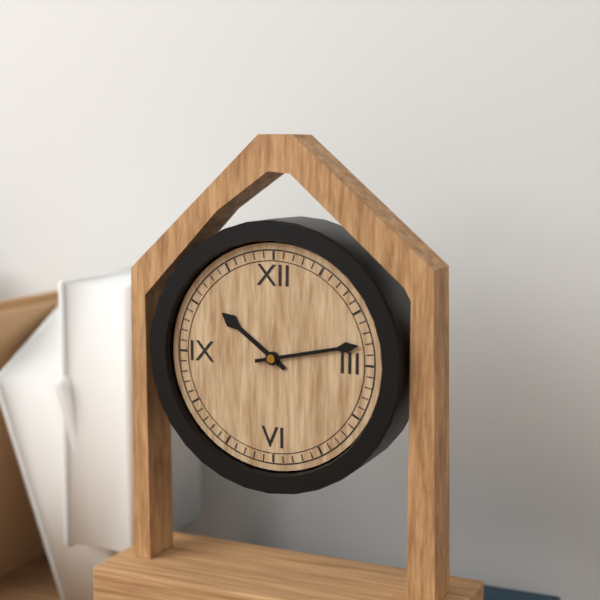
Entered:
10:13
